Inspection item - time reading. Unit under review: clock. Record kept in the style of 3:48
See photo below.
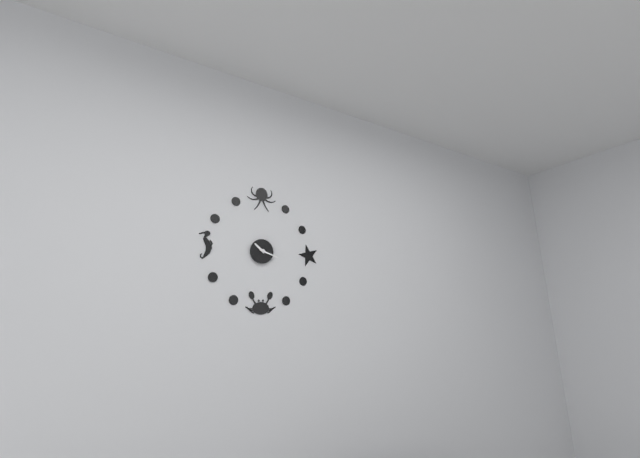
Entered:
10:18
